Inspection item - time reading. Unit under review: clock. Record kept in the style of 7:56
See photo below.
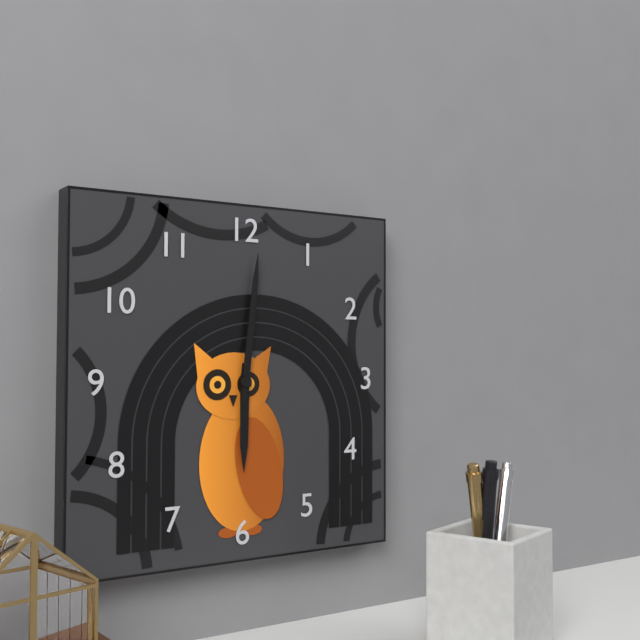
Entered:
6:01
